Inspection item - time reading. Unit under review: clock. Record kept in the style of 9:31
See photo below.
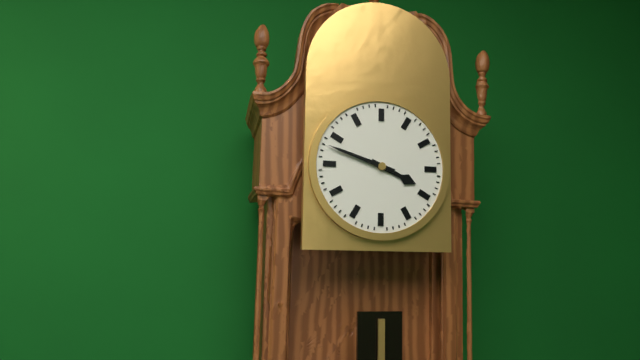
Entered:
3:48
